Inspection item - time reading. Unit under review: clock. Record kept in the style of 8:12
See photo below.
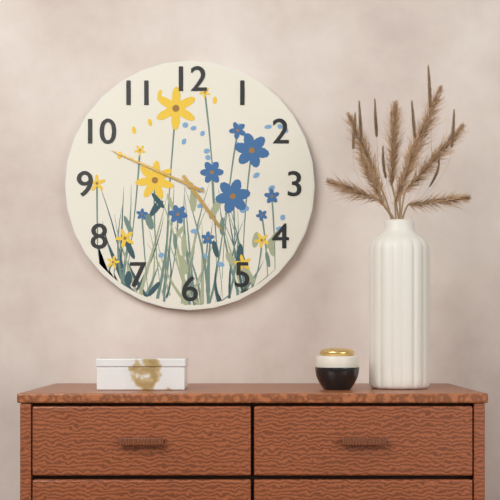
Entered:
4:49
